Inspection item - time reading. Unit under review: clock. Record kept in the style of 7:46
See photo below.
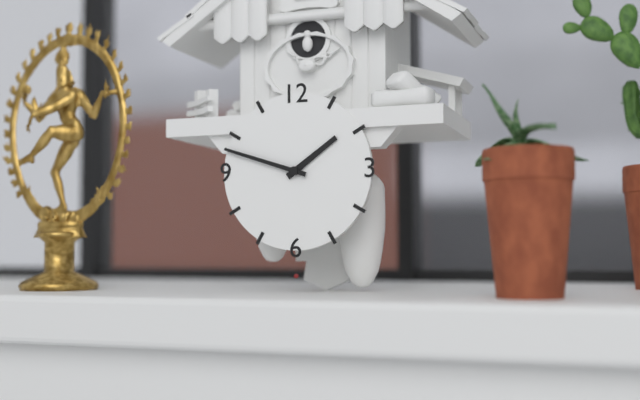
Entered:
1:48
